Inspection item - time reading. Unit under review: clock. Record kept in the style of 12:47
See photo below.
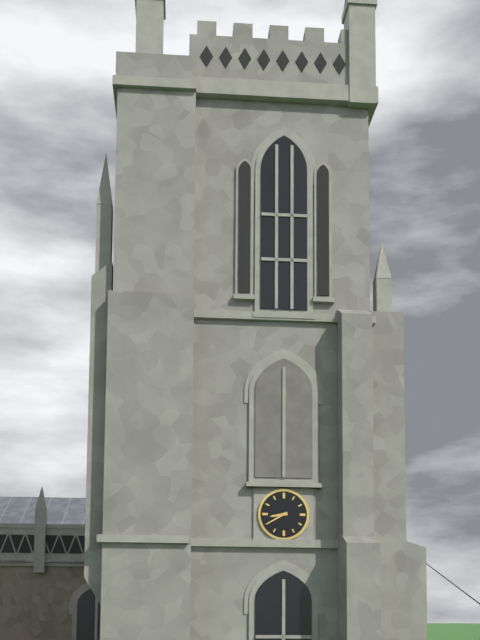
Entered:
8:40
